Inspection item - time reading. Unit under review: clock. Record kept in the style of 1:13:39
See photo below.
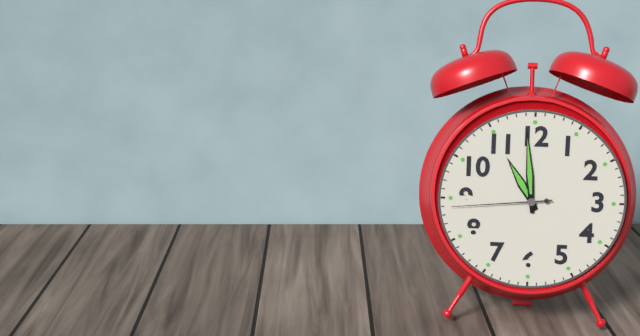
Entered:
10:59:44
